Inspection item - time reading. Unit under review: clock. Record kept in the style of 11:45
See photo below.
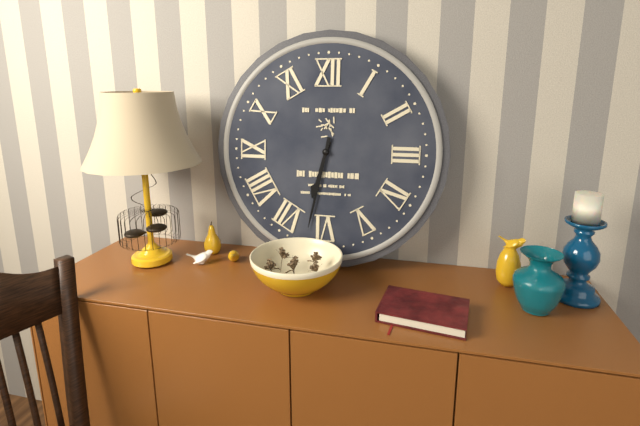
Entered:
6:32
